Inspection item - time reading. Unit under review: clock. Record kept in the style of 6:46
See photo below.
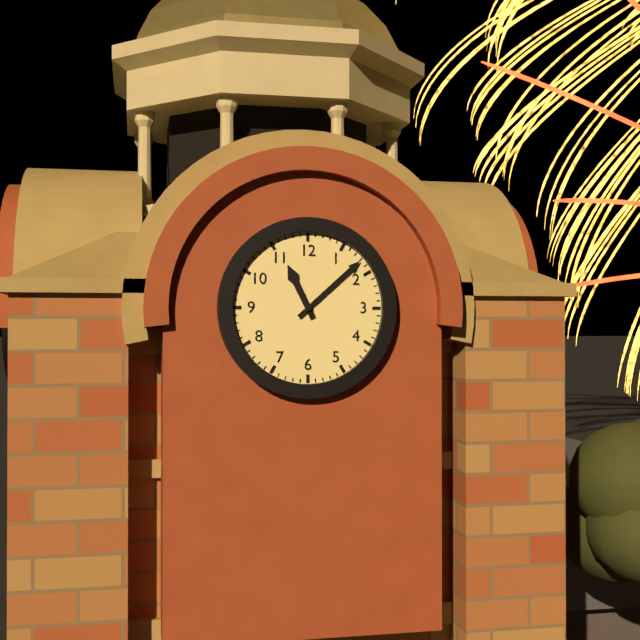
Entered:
11:08
